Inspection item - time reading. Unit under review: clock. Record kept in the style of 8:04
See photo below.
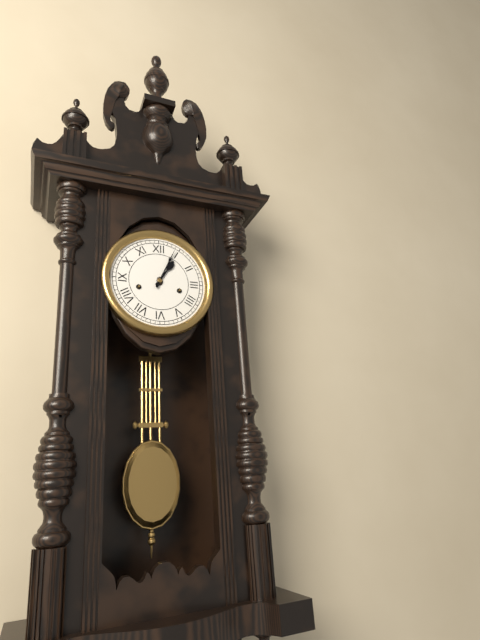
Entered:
1:04
